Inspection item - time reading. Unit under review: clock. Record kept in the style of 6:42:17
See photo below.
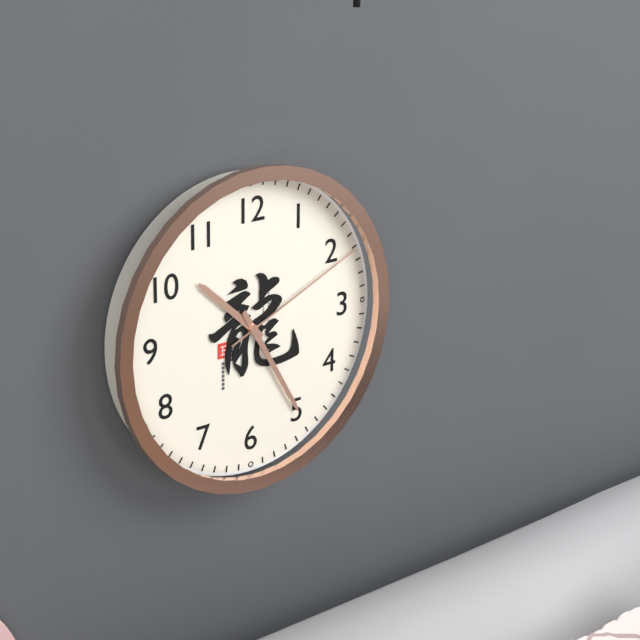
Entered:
10:25:11
